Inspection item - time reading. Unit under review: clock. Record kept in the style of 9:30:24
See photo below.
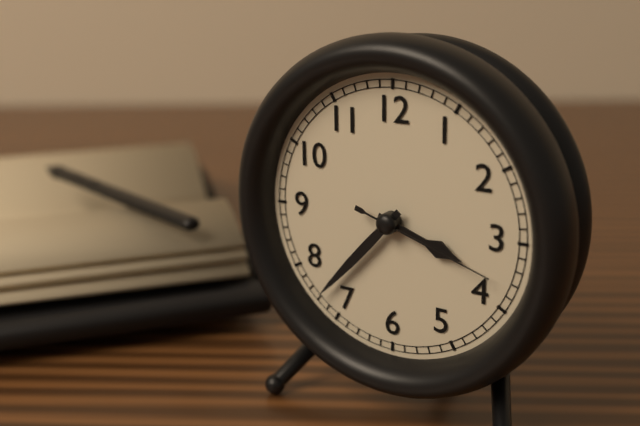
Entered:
3:37:18
